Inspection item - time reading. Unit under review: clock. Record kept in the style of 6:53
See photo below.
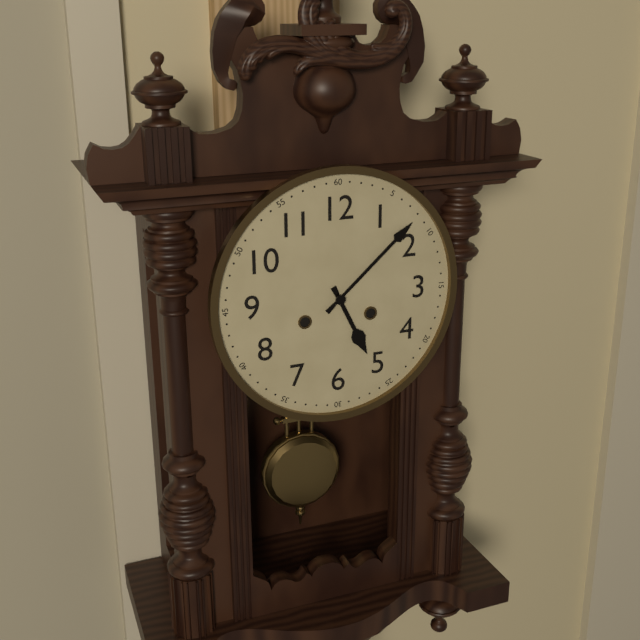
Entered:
5:08
